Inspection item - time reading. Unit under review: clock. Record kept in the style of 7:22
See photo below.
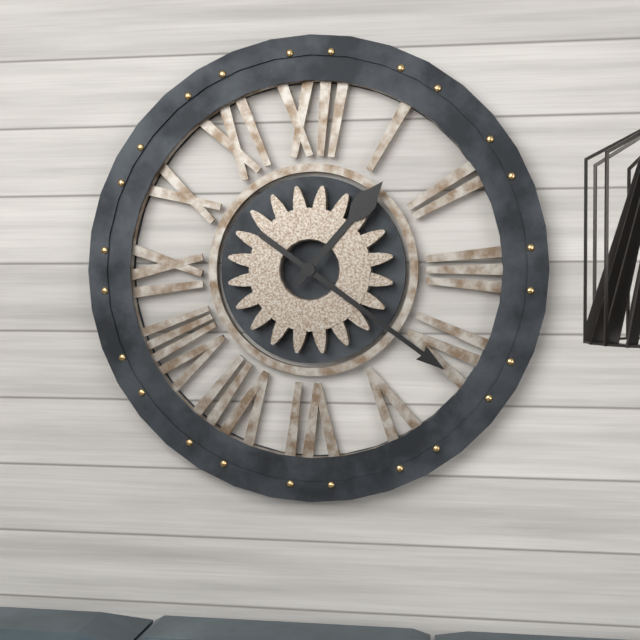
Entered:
1:21
